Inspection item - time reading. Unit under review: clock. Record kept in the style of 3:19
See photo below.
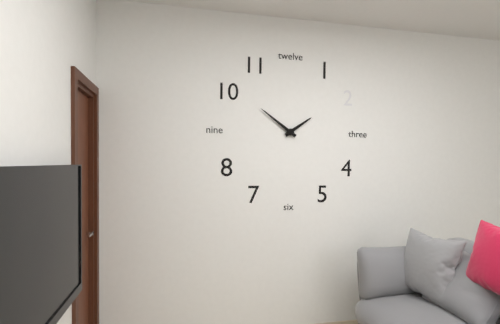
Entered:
1:51
